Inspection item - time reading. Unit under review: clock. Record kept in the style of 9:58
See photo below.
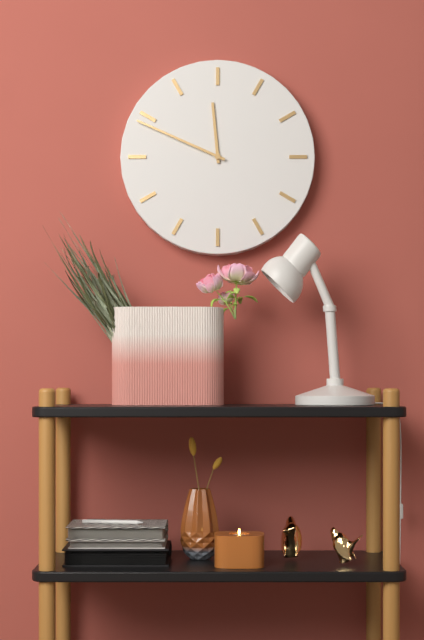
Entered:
11:49
